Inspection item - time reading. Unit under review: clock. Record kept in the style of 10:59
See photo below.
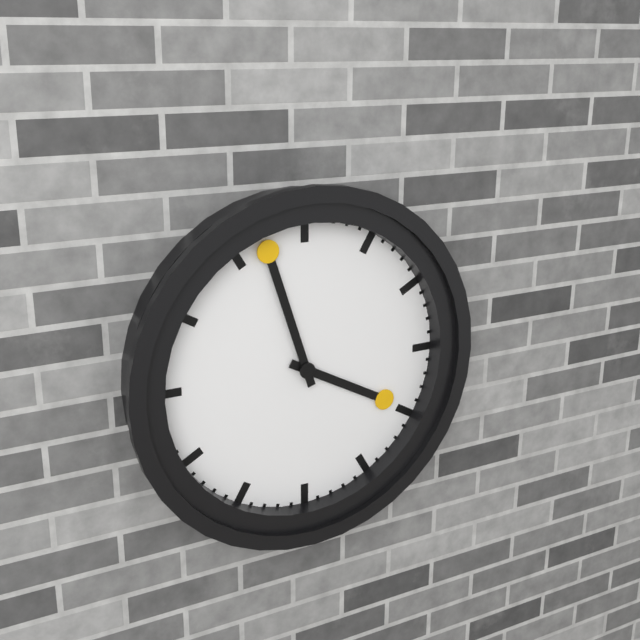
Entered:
3:57
